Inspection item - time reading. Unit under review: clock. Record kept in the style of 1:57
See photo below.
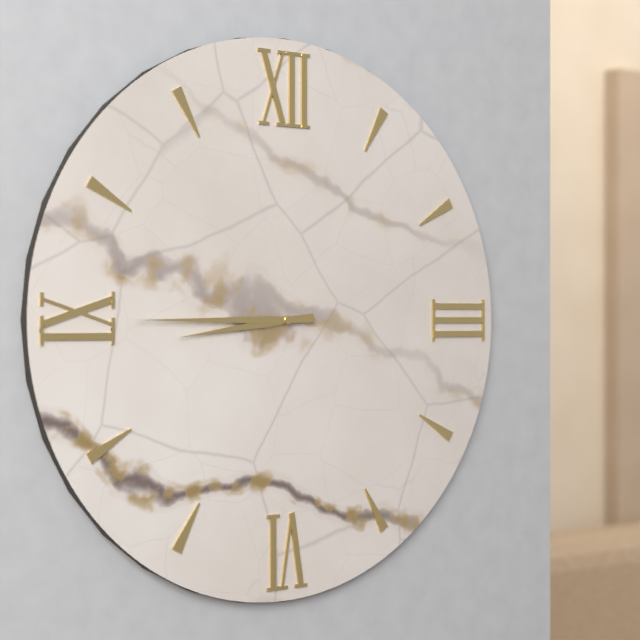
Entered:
8:45
